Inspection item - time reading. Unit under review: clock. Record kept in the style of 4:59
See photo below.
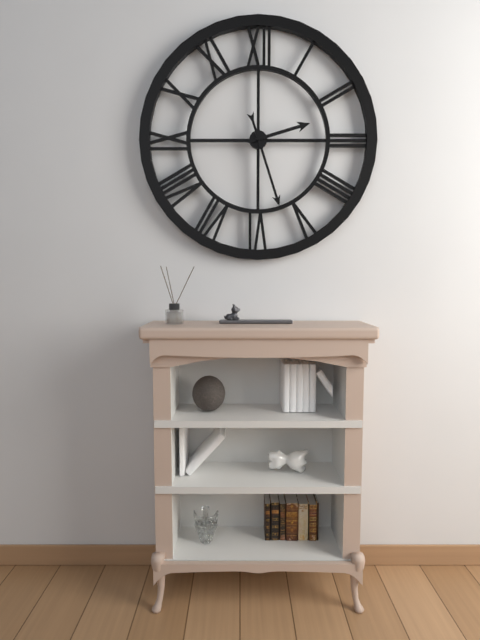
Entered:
2:27
